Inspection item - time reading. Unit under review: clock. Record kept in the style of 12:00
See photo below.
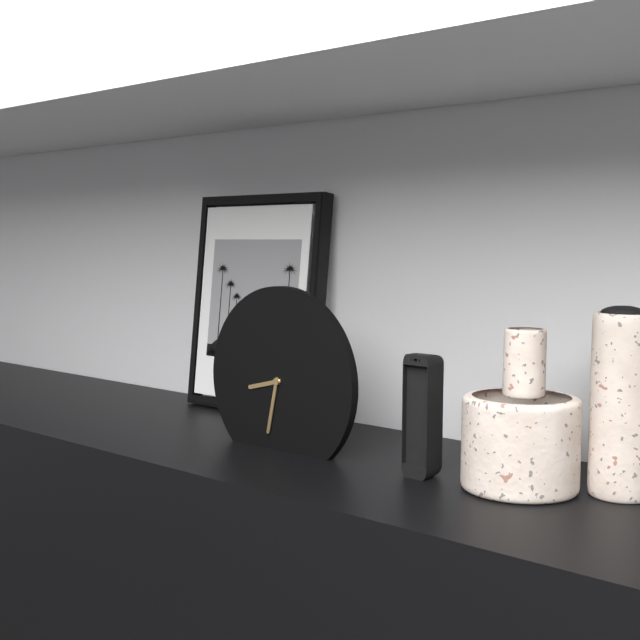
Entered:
8:32
